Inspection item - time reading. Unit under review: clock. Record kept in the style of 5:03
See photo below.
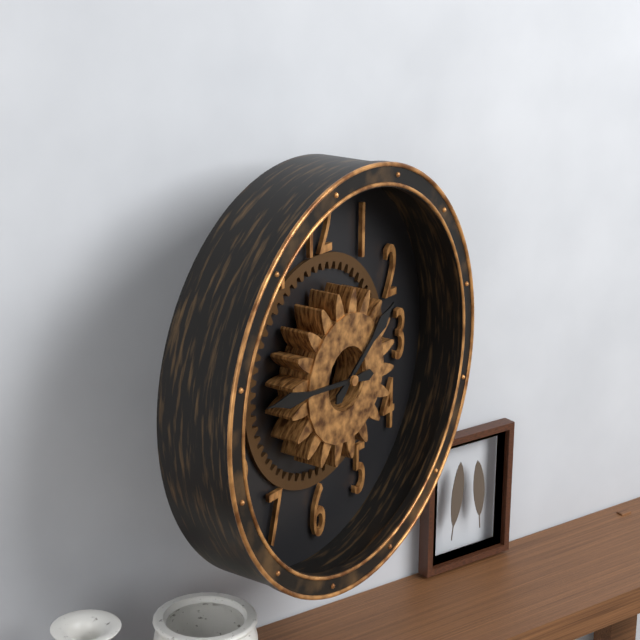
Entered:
1:46
